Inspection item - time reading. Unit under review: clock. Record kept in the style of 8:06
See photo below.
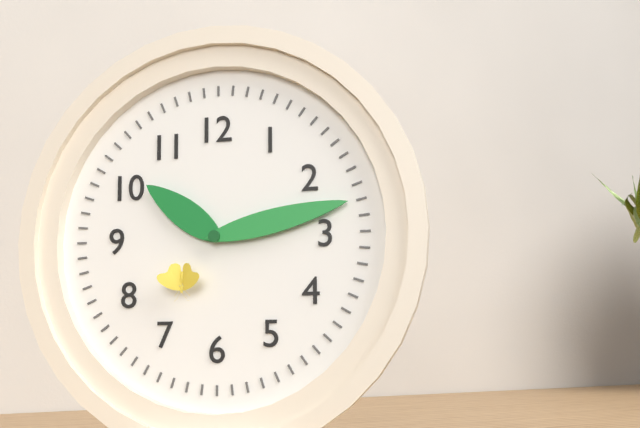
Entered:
10:13
